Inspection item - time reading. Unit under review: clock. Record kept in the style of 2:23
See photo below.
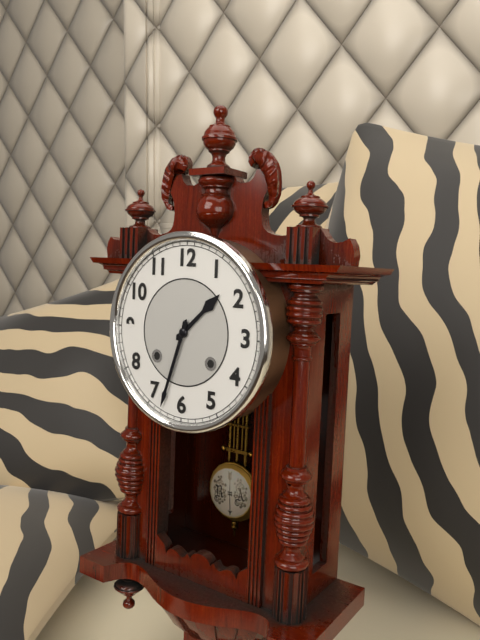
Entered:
1:33
